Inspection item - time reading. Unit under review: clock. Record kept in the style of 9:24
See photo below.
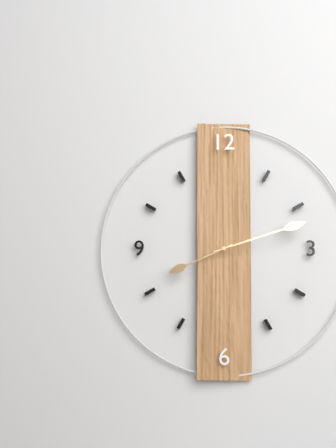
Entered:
8:12
